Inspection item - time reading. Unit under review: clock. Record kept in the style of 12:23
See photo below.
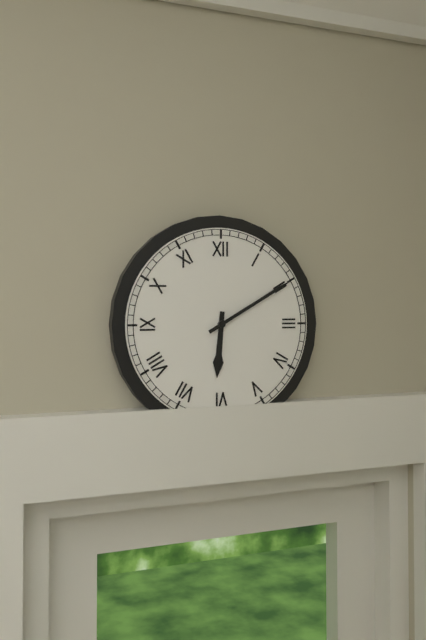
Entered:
6:10
